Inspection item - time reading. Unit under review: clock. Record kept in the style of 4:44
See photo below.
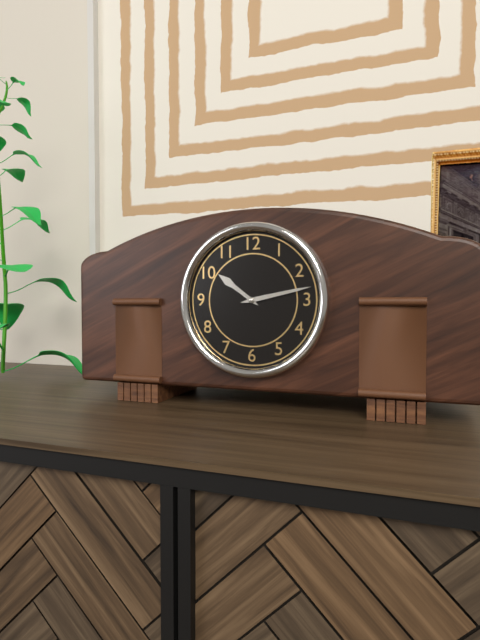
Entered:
10:13
